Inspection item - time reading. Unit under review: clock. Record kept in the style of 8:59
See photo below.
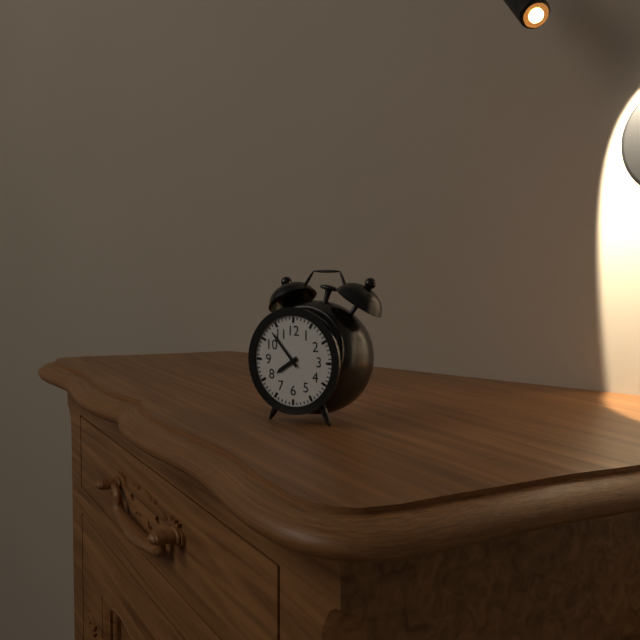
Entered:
7:53
